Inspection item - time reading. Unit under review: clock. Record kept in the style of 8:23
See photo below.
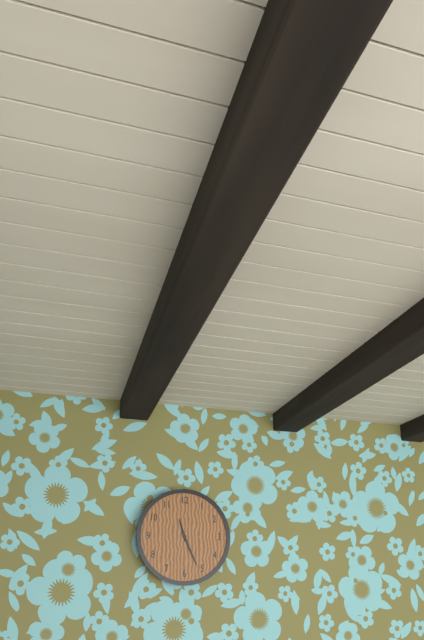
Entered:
11:26
